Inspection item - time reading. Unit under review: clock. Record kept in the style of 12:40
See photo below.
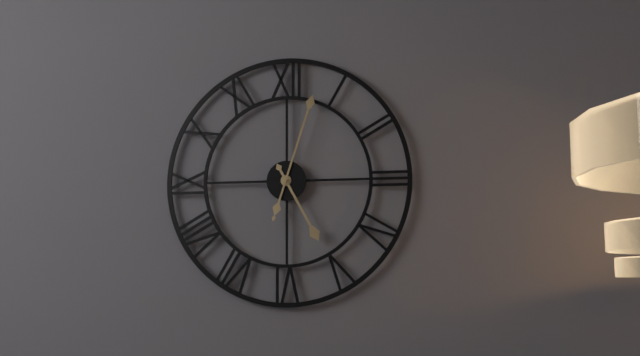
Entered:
5:03
